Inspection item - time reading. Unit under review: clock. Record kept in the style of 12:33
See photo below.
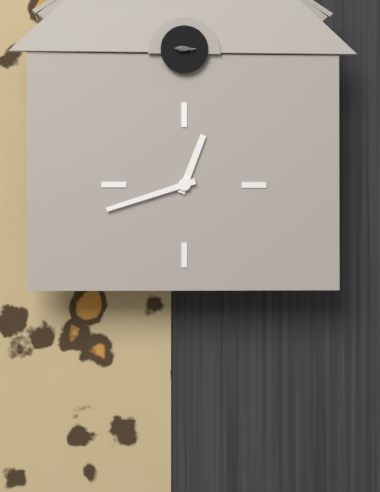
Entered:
12:42
